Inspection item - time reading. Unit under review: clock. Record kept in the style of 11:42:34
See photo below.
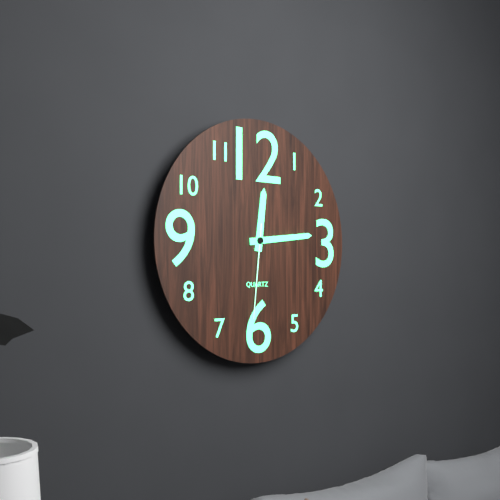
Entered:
12:14:31
